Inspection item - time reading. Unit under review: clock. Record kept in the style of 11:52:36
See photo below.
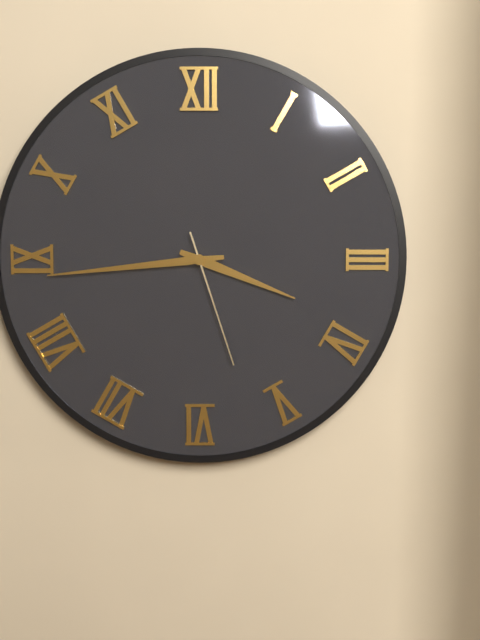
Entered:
3:44:27
